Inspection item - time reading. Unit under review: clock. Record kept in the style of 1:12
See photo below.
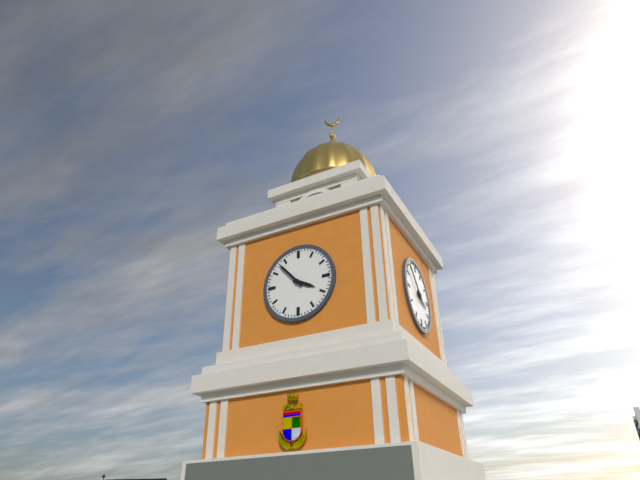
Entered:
3:53
